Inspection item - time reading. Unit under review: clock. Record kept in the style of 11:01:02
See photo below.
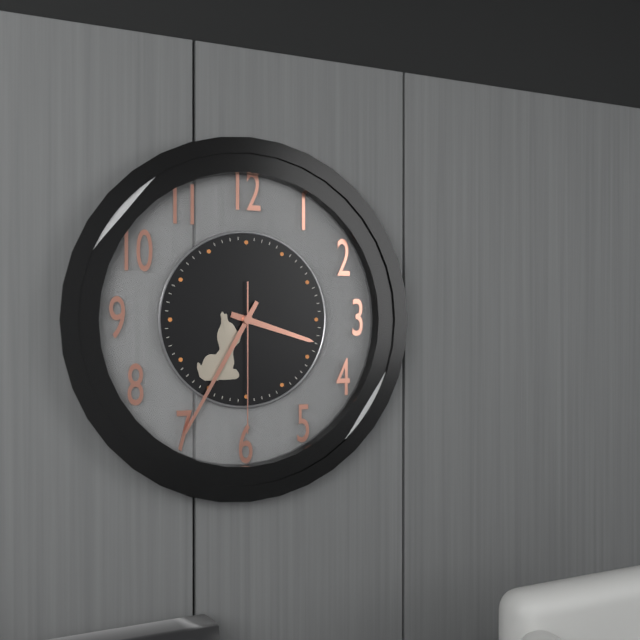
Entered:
3:35:30
